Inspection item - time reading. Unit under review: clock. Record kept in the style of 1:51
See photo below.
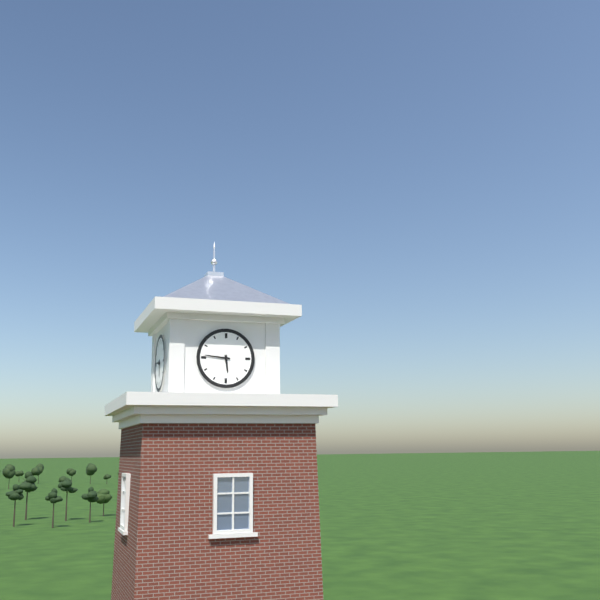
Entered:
5:46
